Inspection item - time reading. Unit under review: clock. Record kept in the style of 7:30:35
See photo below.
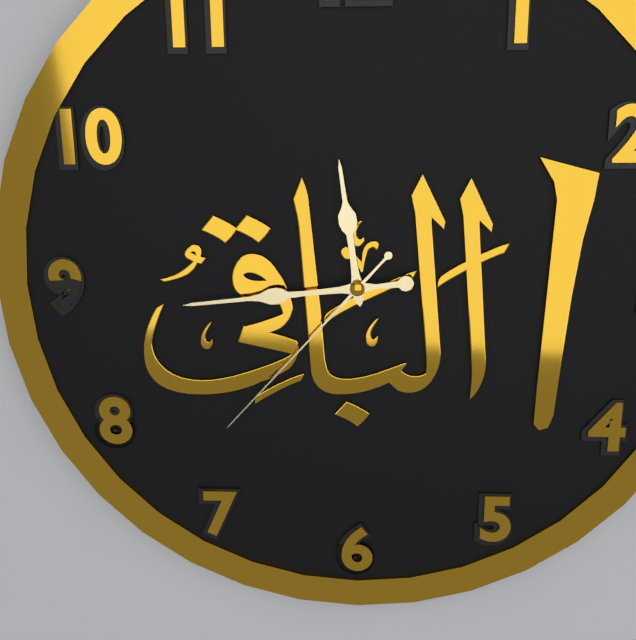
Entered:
11:44:37
